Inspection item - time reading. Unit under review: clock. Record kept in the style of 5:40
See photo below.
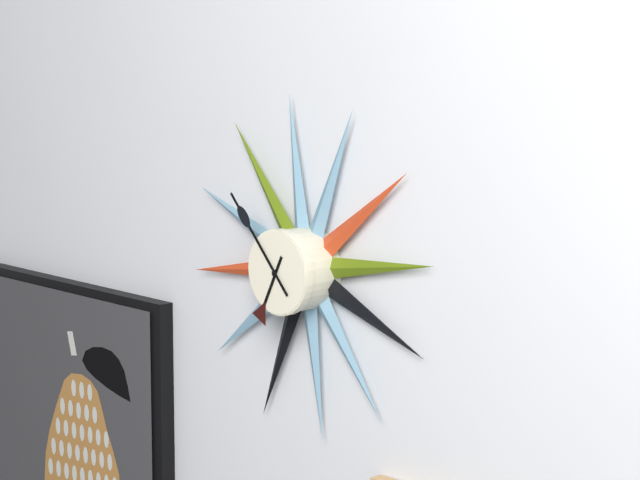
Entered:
6:53
